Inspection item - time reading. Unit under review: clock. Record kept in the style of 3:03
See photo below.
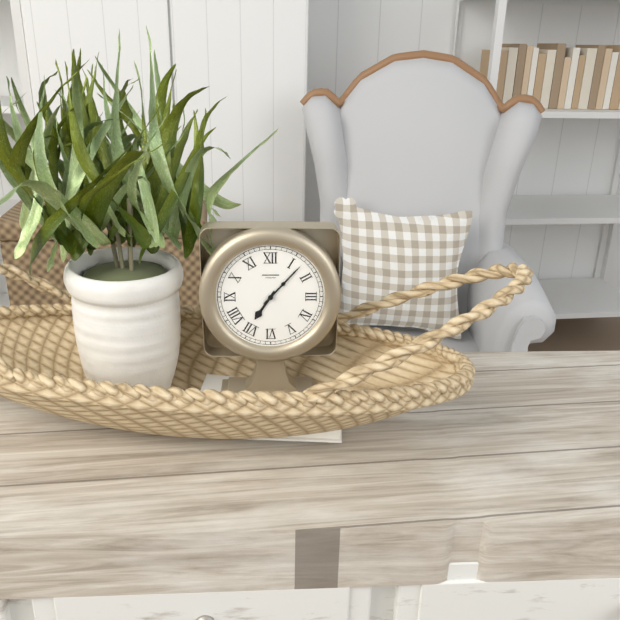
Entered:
7:07
